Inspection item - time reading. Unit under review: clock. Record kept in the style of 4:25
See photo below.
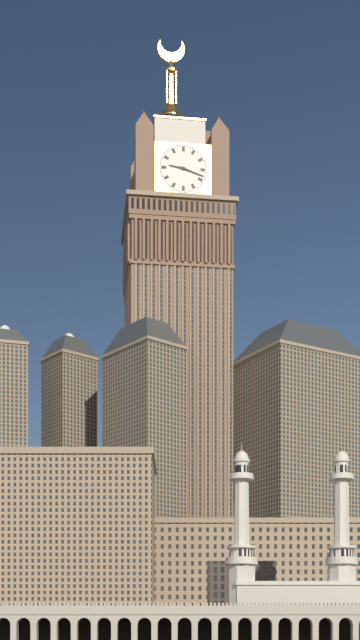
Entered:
9:18
